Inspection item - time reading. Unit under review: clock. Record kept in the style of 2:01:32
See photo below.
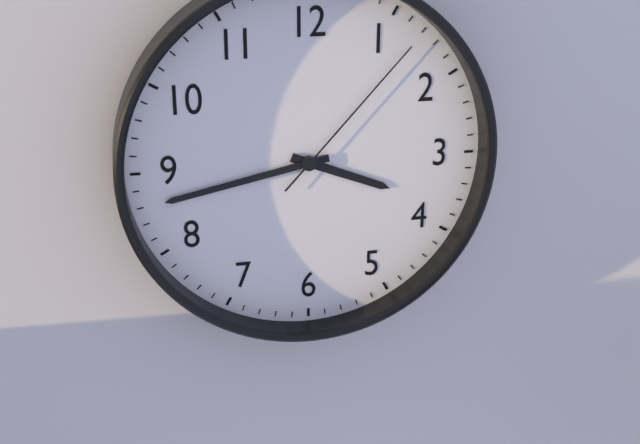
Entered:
3:43:07
